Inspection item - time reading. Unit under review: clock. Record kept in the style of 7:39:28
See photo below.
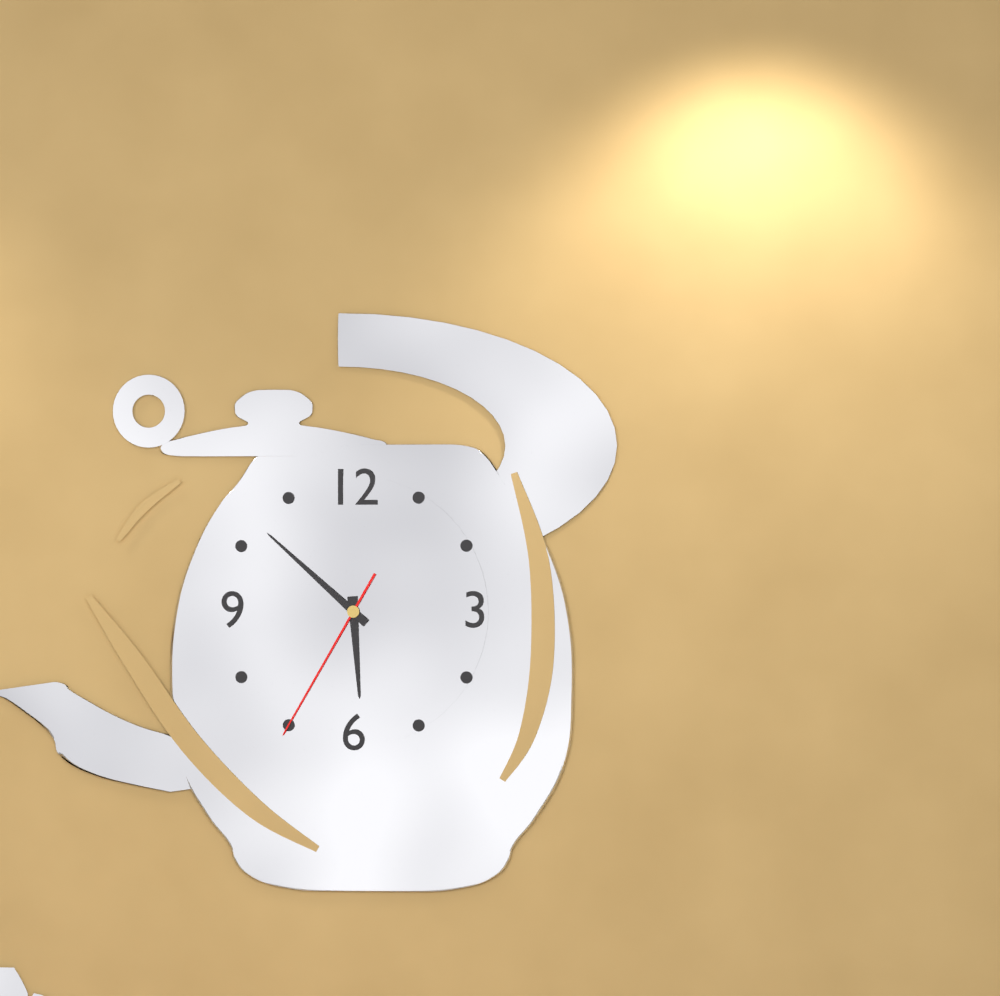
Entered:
5:52:35
